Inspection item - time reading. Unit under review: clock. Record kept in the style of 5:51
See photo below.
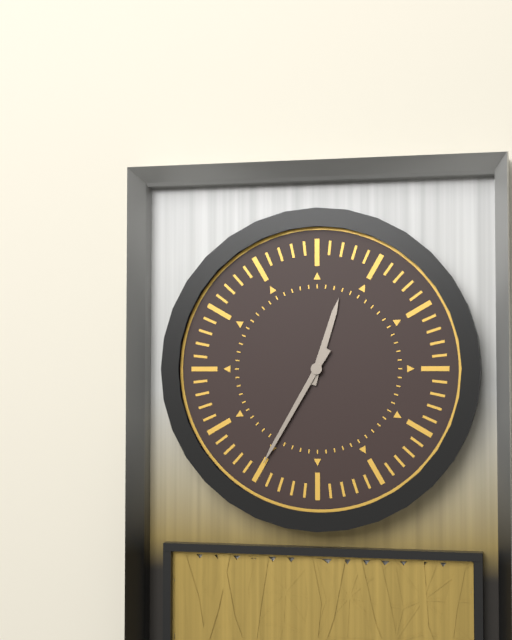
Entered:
12:35
